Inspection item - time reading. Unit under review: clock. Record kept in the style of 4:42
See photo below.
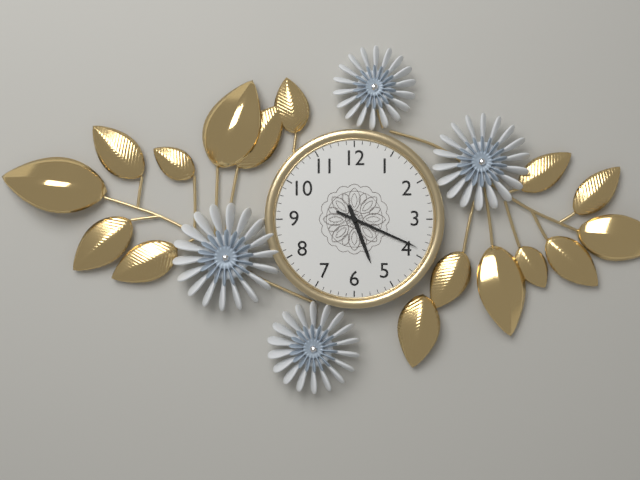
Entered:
5:19
